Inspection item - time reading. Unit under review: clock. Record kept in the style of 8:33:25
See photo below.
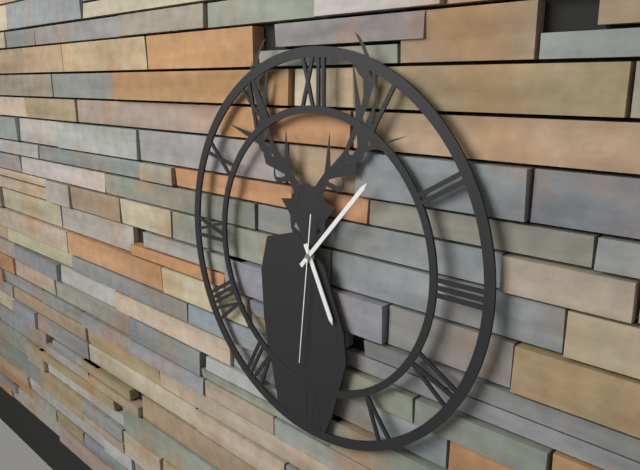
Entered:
5:07:31
